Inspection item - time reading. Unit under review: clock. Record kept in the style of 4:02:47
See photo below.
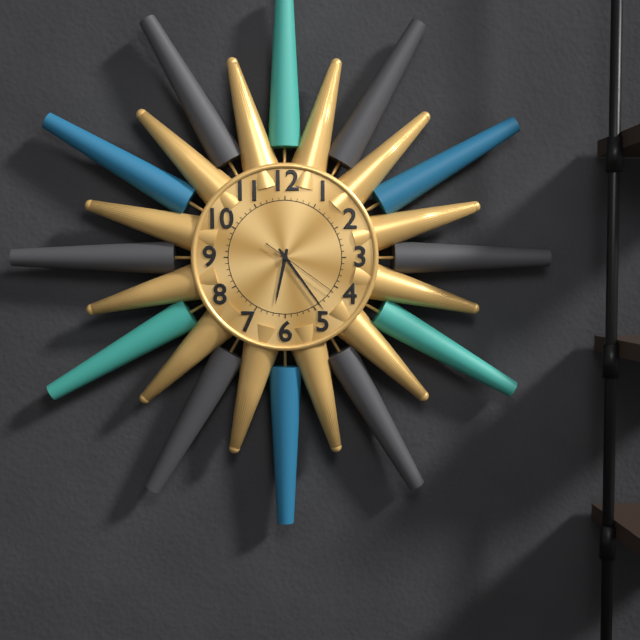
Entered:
6:24:21
